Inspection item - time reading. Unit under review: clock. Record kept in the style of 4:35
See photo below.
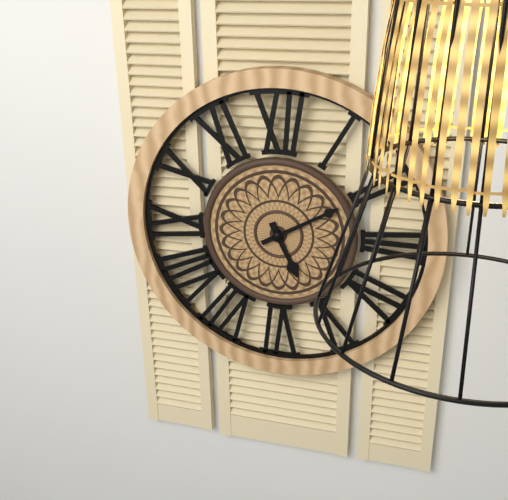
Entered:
5:10
